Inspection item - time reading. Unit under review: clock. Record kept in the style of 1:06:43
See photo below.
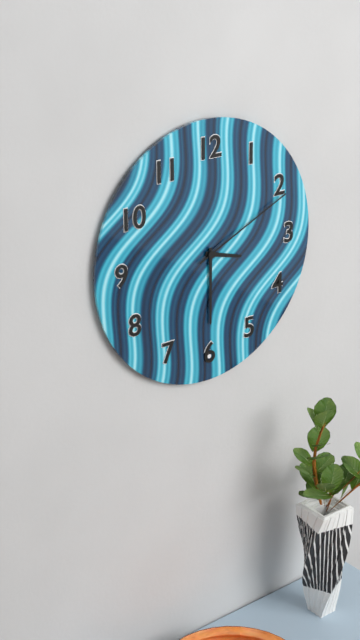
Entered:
3:30:11
